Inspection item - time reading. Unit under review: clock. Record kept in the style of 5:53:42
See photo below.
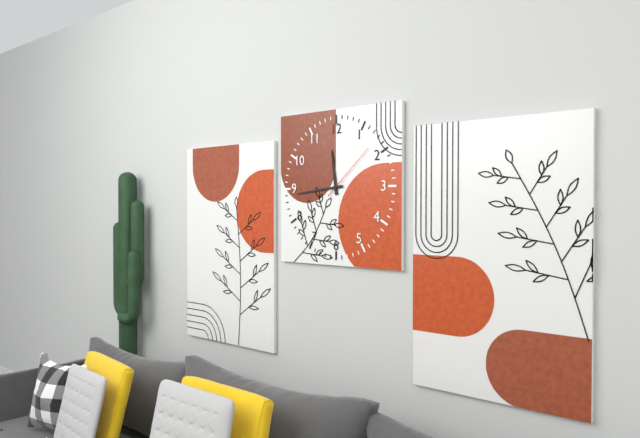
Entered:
11:44:08
